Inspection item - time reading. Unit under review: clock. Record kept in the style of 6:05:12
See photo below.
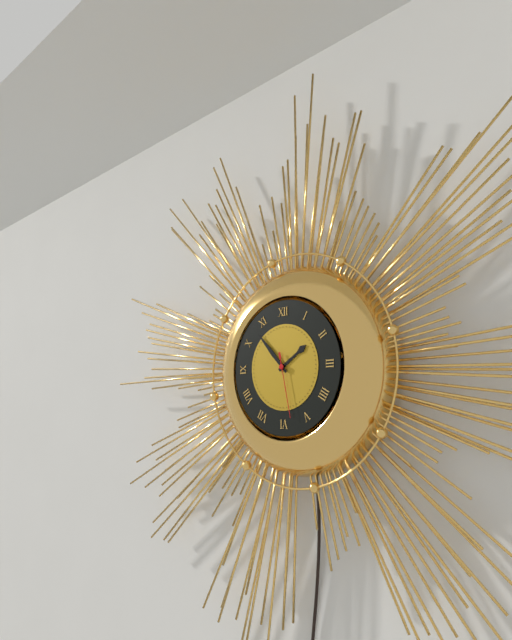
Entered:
1:53:28
